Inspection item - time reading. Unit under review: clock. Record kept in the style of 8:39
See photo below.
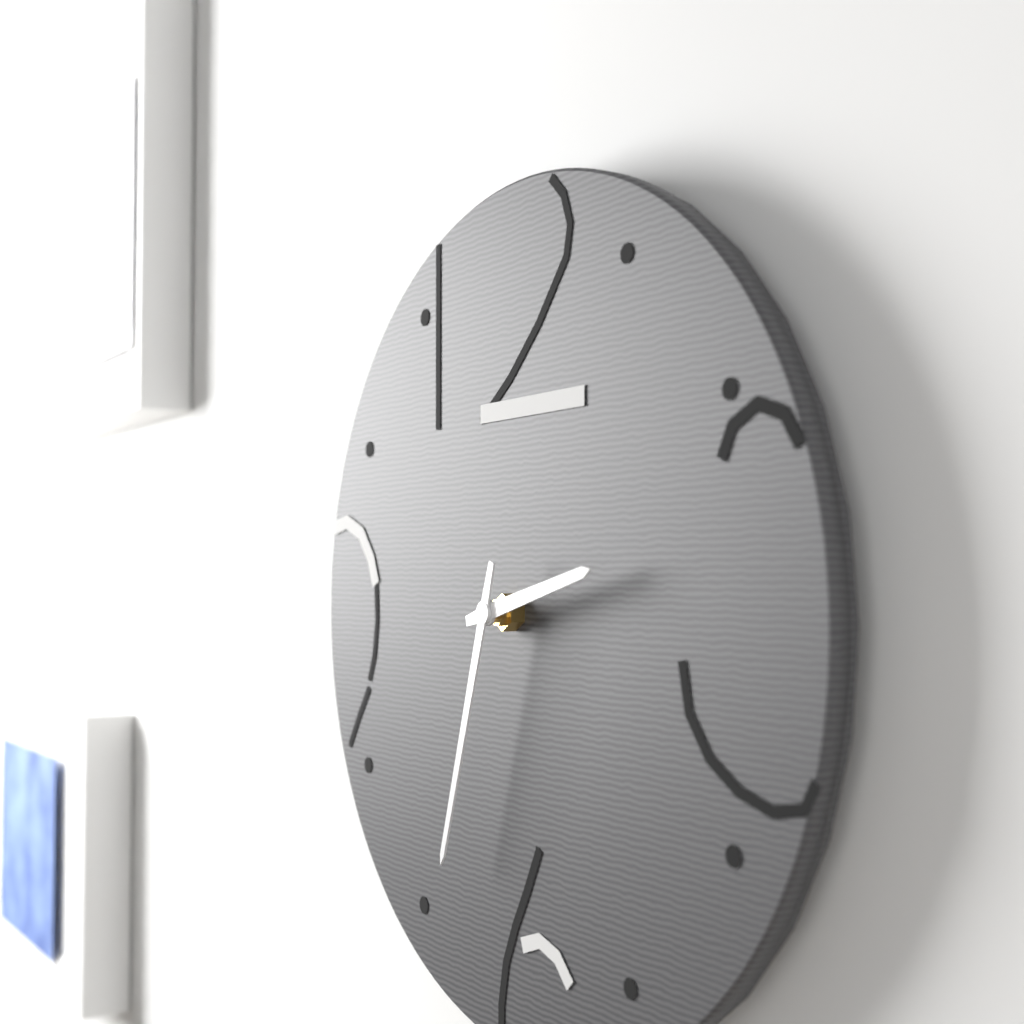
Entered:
2:33
